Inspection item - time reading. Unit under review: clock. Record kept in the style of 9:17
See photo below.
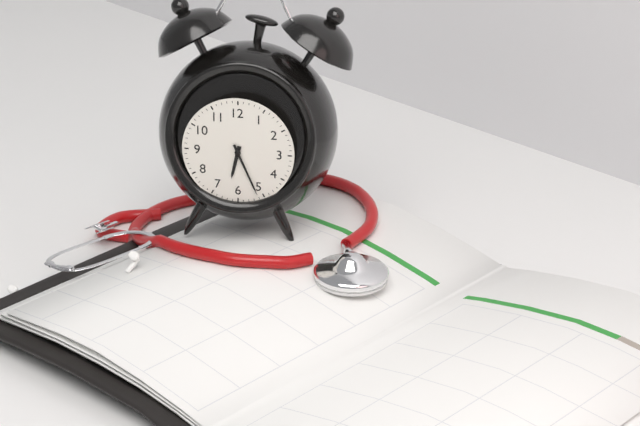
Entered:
6:26
